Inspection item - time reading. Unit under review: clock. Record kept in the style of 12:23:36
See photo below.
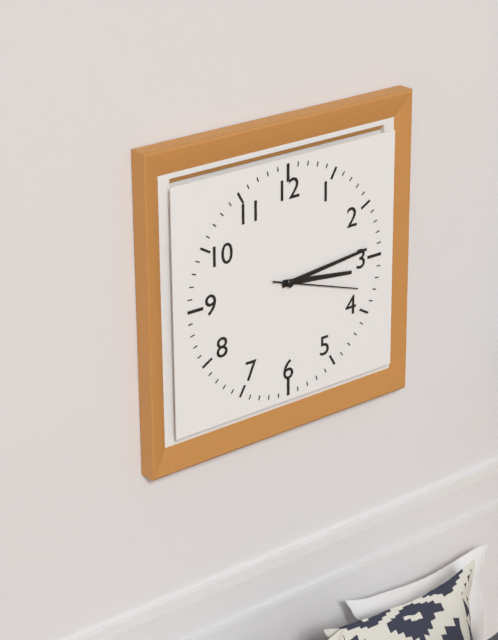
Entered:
3:14:18
